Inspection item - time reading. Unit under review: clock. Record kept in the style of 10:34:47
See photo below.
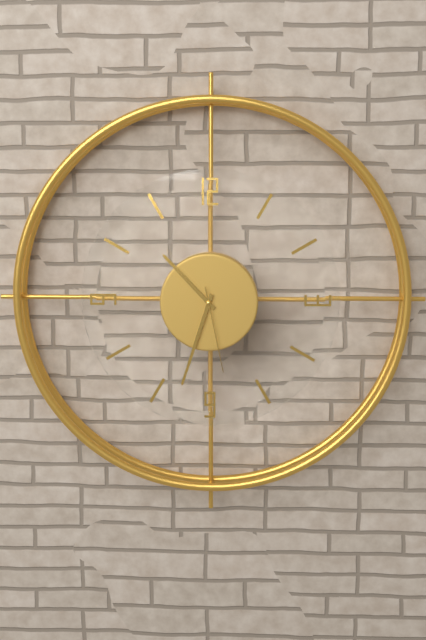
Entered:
10:33:28
